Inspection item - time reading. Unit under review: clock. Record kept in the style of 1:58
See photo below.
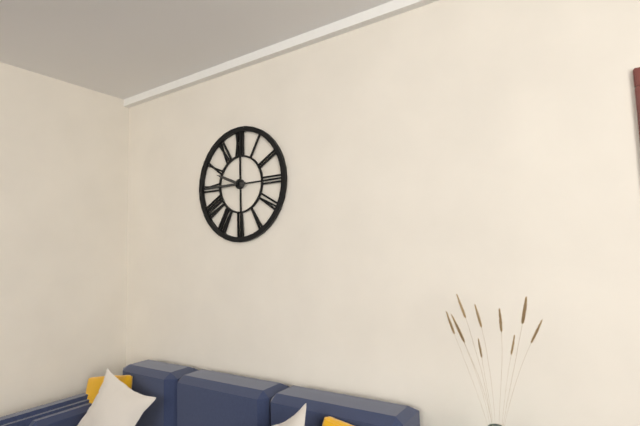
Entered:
9:45
